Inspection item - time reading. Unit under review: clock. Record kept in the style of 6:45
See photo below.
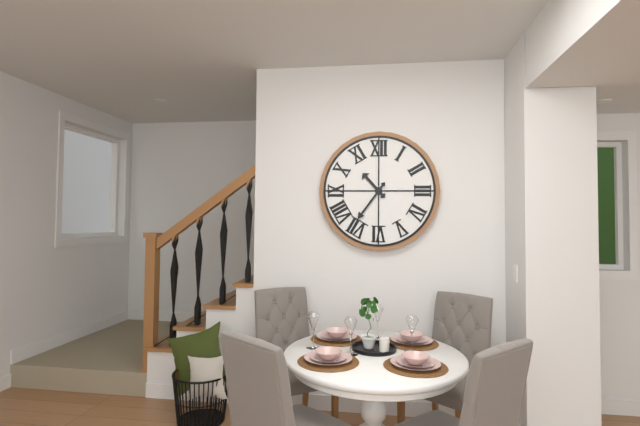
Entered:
10:36
